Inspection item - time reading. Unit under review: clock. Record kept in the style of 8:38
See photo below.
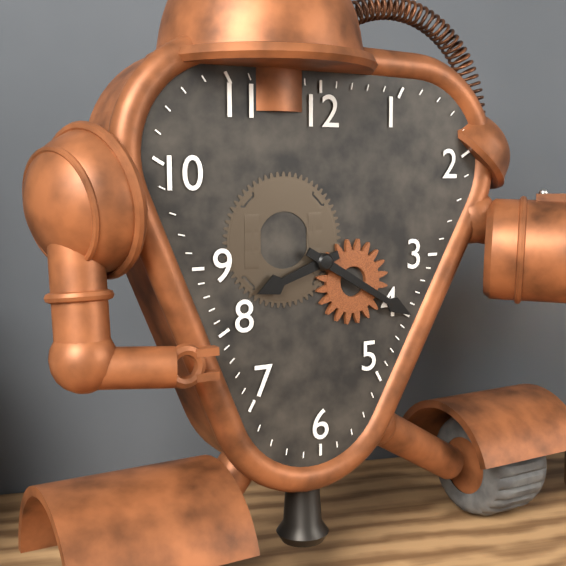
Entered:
8:20
